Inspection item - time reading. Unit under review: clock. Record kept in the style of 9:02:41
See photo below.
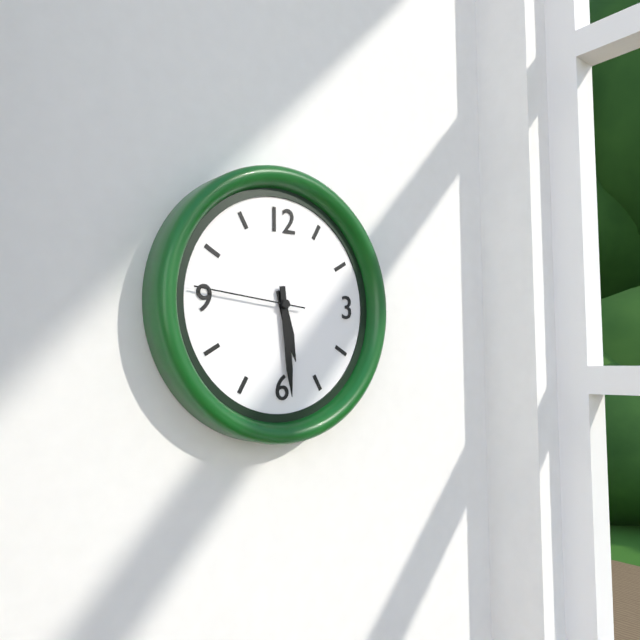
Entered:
5:29:46
